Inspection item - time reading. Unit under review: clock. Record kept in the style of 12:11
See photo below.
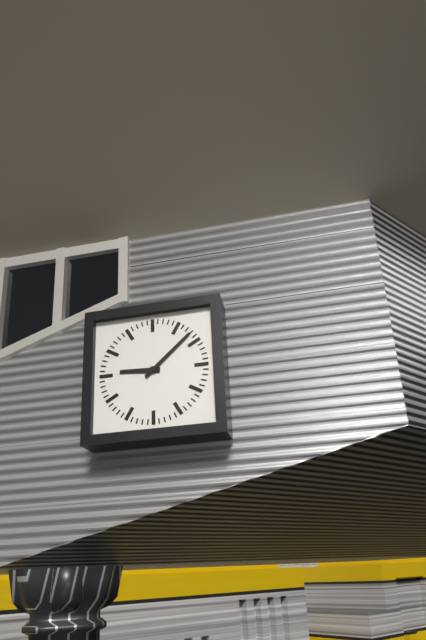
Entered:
9:08
